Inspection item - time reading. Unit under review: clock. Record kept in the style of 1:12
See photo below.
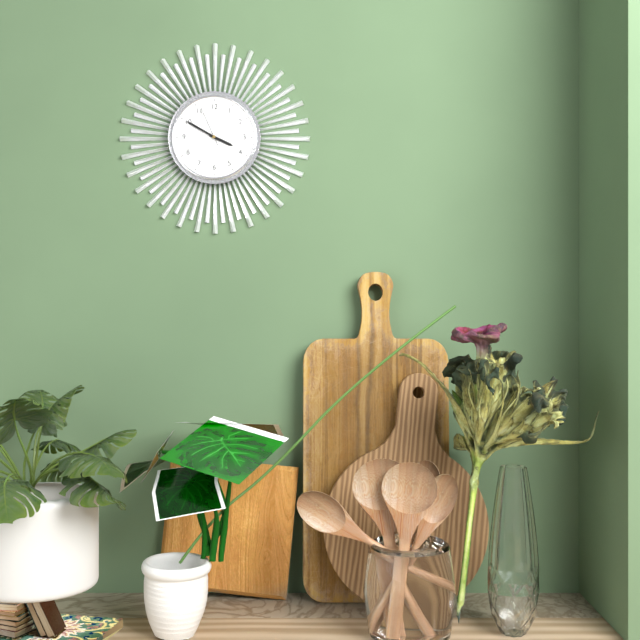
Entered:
3:50
